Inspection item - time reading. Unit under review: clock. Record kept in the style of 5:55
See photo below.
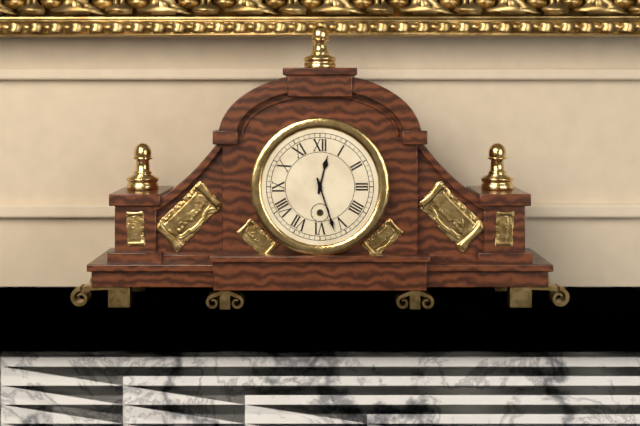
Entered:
12:27
